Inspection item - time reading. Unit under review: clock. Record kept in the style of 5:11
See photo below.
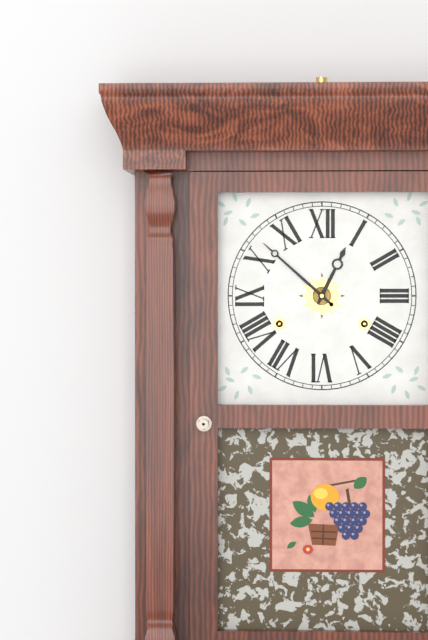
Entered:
12:52
